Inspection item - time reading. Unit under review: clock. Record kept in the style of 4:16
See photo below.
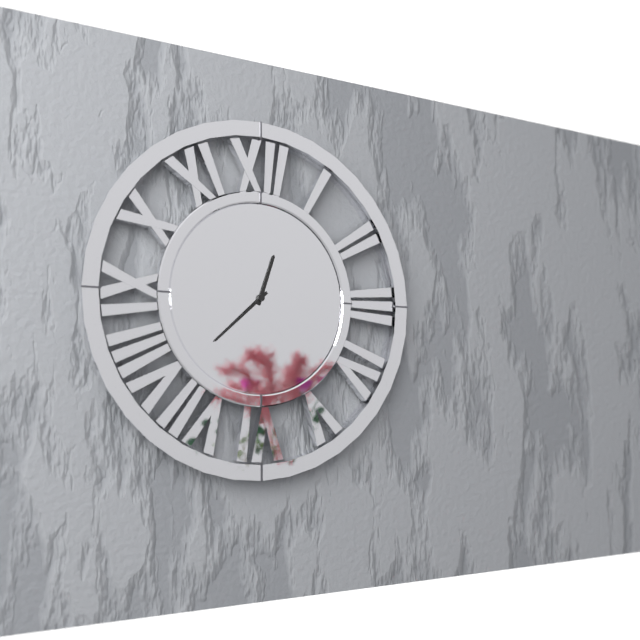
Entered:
12:38
